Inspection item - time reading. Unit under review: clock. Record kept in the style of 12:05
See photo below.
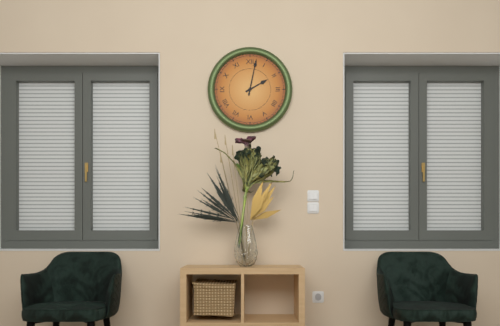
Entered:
2:02
